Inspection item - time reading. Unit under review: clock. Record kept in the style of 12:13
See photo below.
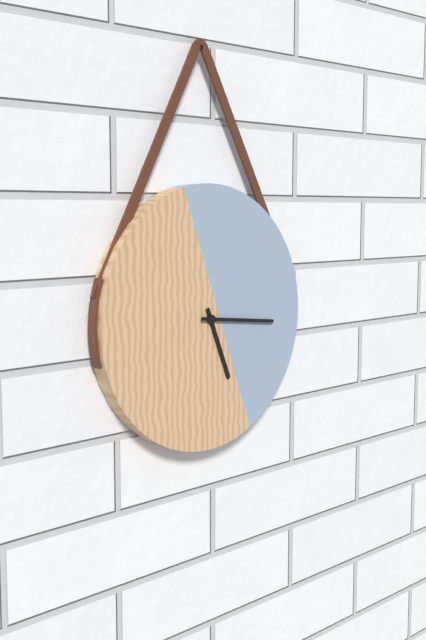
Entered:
5:16
